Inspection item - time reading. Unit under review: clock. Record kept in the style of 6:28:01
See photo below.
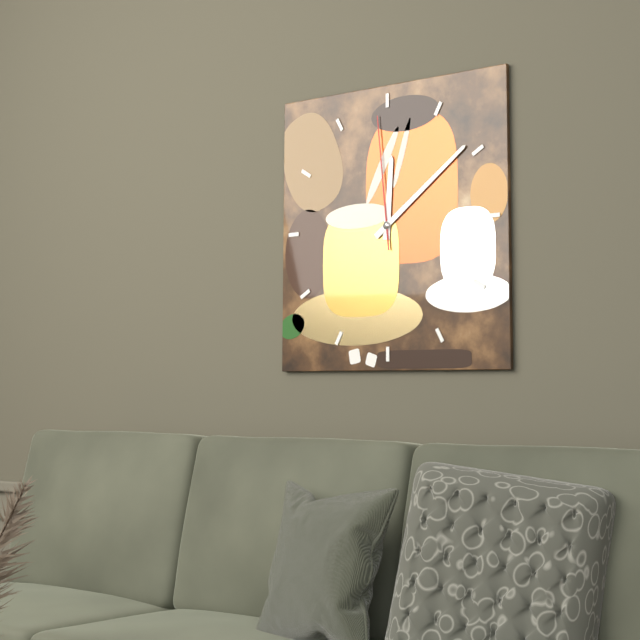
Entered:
12:09:59
